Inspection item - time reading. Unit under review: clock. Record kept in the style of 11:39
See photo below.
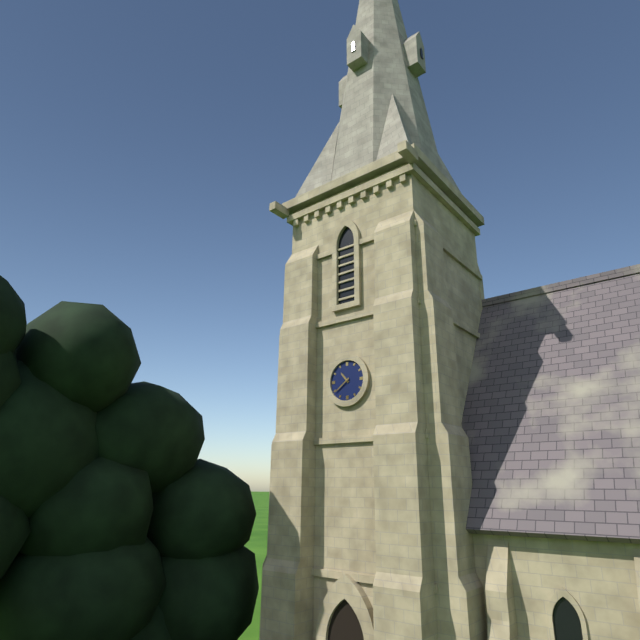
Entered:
10:39
